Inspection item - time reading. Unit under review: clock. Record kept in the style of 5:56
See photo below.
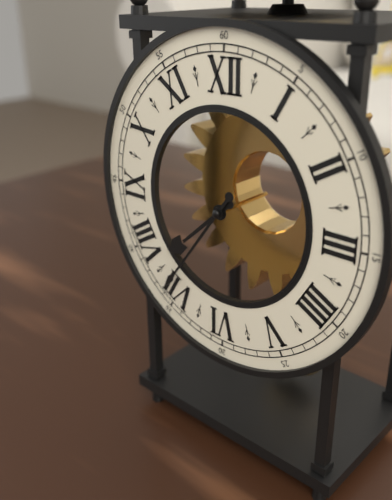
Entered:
7:36
